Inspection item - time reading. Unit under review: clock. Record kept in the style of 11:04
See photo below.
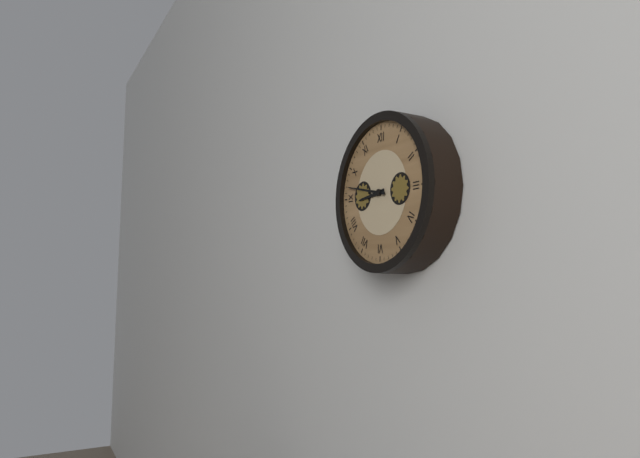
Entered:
8:47
